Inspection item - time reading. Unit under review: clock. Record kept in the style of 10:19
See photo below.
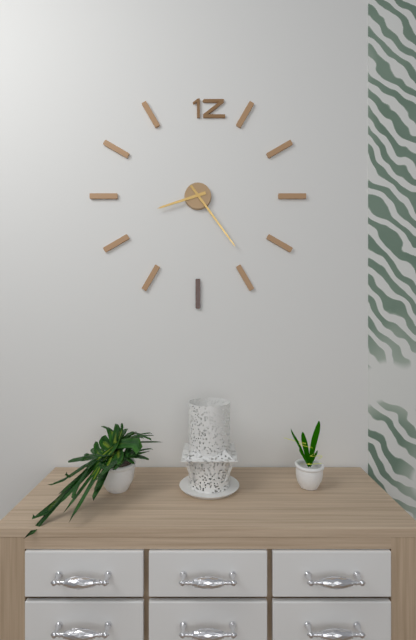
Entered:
8:24
